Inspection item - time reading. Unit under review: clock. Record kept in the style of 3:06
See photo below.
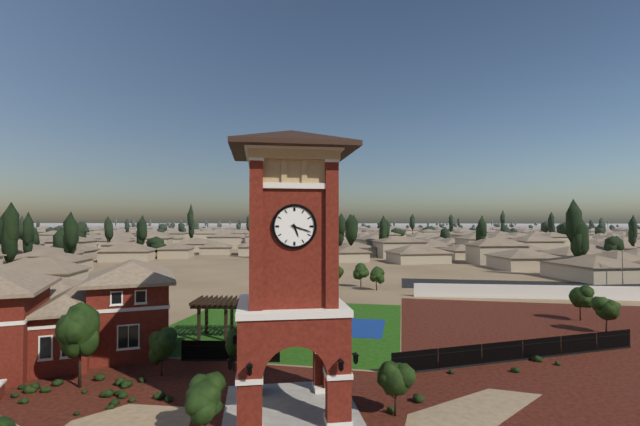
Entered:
5:18
